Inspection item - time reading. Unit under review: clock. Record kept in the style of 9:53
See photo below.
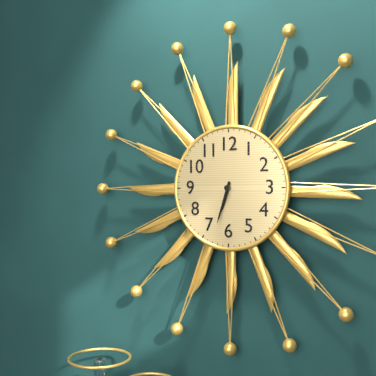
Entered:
6:33
